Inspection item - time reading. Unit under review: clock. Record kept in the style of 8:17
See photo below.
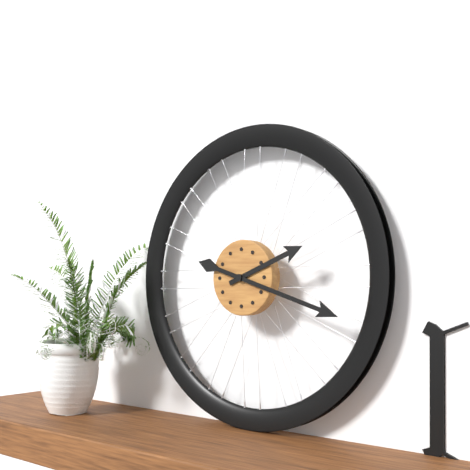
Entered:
2:18
